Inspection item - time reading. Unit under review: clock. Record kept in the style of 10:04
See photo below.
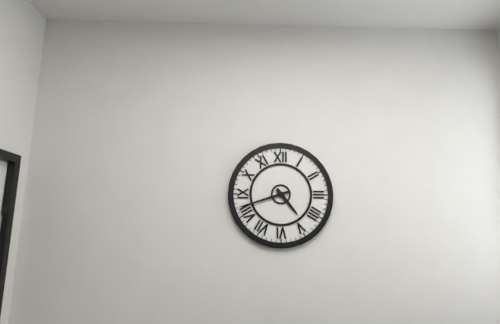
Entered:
4:42
